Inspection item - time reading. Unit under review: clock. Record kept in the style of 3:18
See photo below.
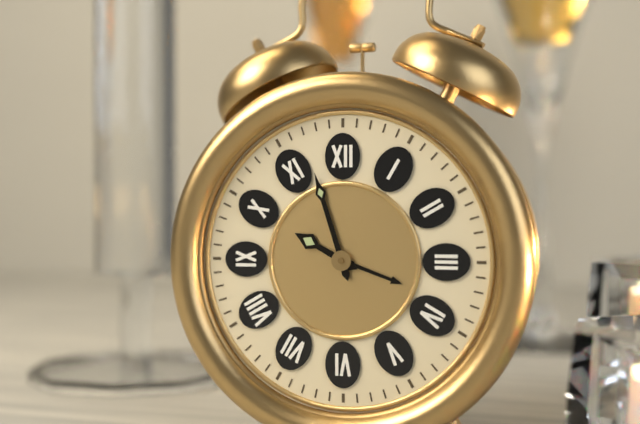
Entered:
9:57
